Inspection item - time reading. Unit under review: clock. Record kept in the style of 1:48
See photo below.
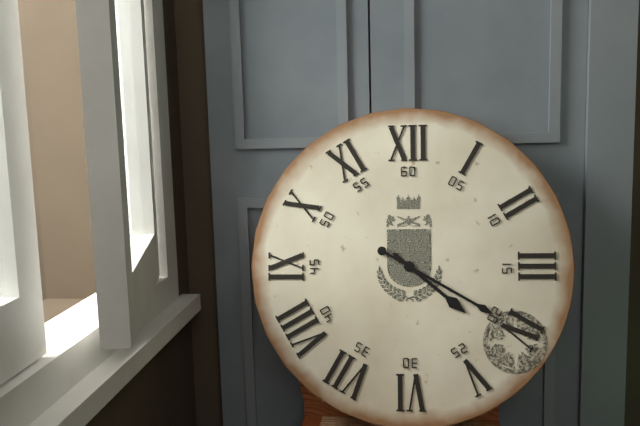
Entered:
4:20
